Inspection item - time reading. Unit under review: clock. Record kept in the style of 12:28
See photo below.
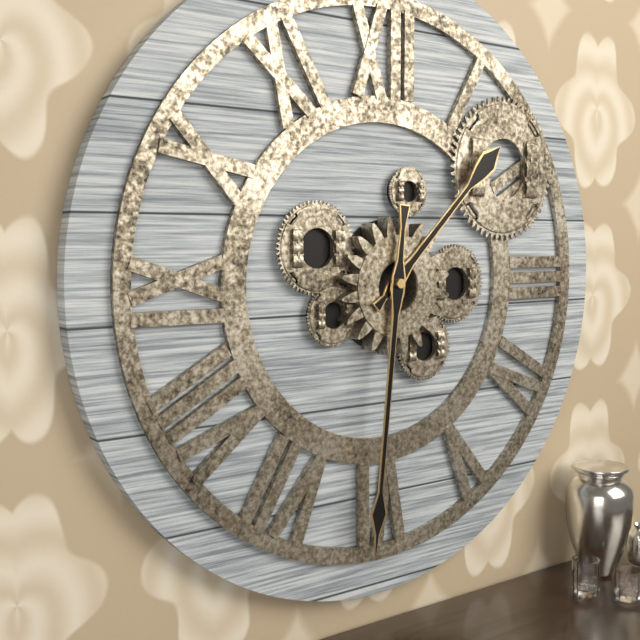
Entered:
1:31
